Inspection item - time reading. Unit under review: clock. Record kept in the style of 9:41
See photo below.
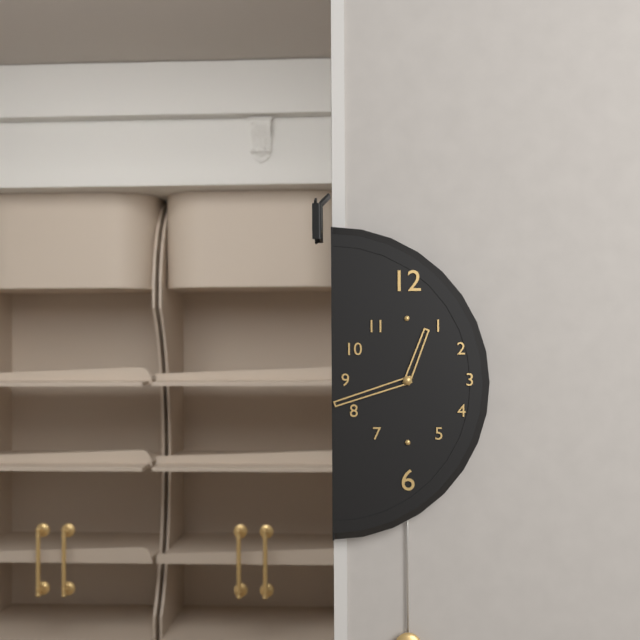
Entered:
12:42
